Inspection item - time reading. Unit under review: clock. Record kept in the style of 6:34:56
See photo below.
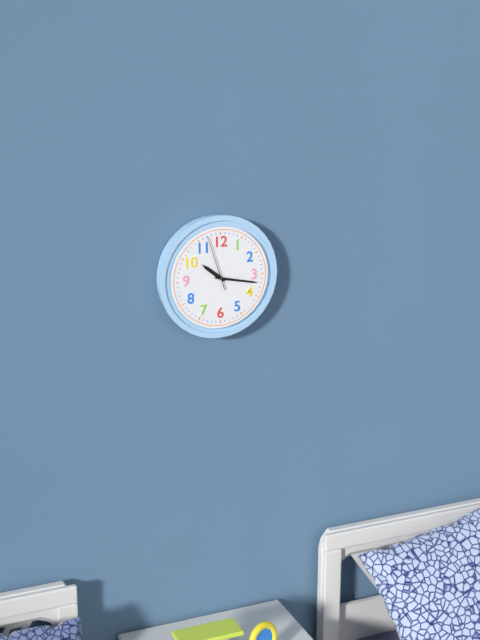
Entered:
10:17:57
